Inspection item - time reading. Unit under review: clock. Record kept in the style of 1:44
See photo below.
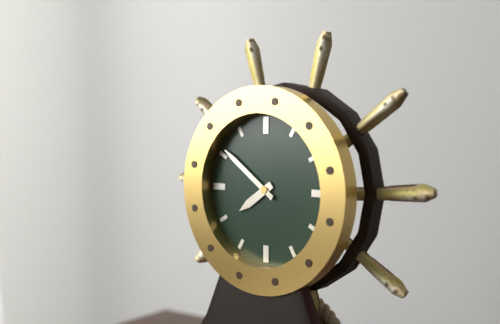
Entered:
7:51
